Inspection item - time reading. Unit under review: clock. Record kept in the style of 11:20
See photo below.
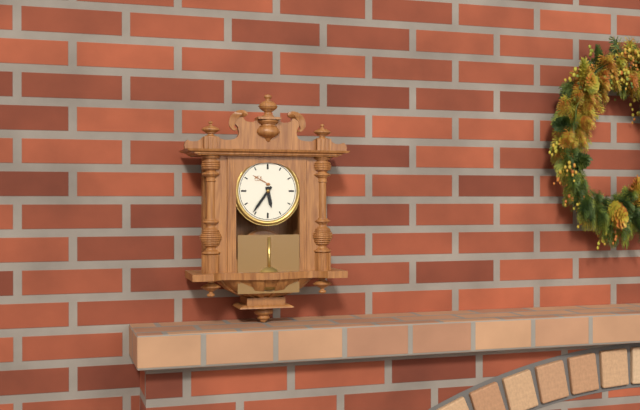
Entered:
5:36
